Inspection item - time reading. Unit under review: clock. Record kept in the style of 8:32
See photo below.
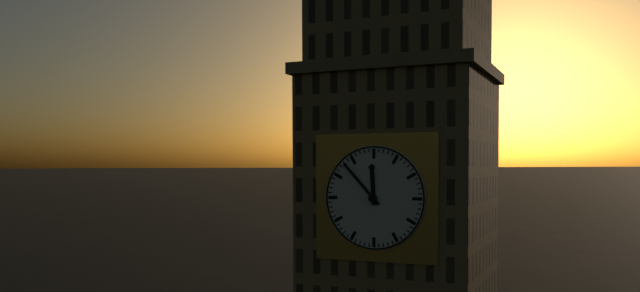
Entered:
11:53
